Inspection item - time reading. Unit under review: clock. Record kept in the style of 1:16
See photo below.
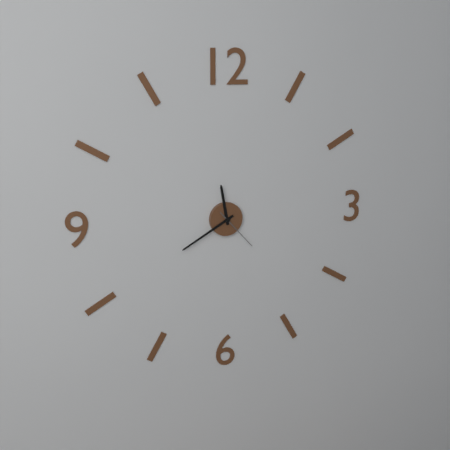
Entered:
11:40
